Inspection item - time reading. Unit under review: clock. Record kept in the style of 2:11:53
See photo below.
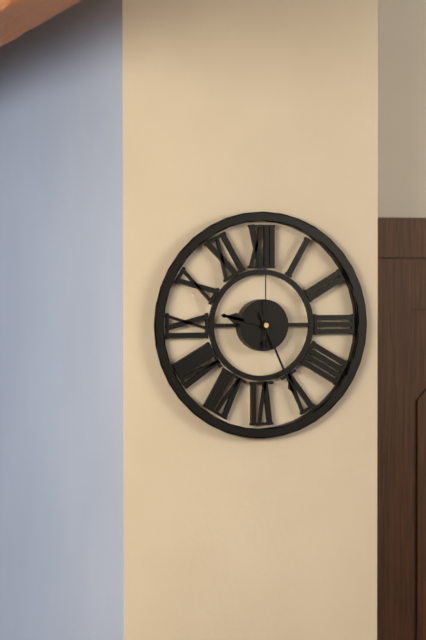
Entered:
9:26:00
